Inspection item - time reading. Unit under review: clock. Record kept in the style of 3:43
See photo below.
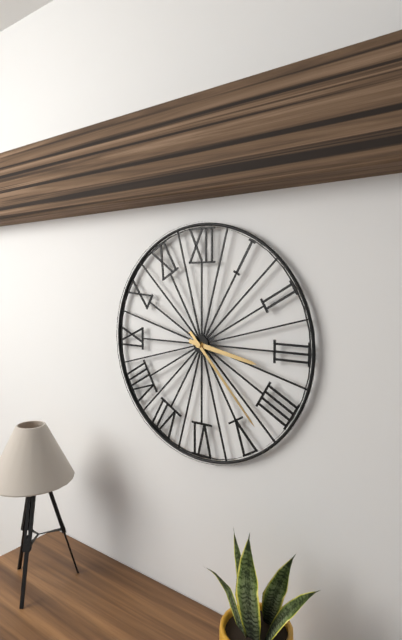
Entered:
3:23
